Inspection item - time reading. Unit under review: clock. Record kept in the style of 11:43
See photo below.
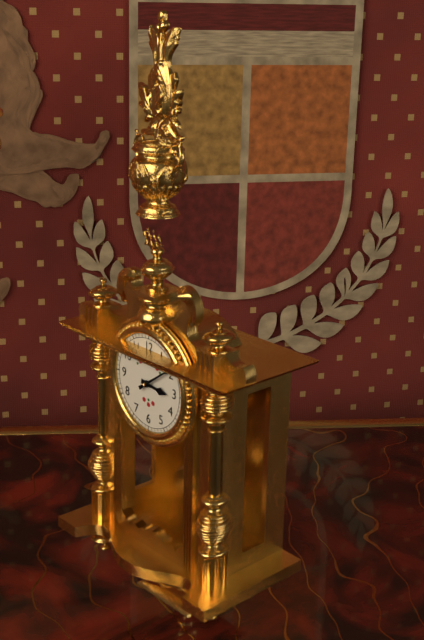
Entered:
3:09
